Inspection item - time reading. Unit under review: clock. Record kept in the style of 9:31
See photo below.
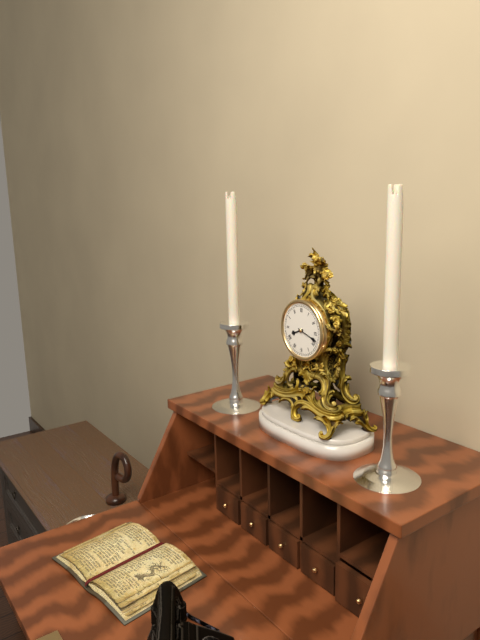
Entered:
8:18
